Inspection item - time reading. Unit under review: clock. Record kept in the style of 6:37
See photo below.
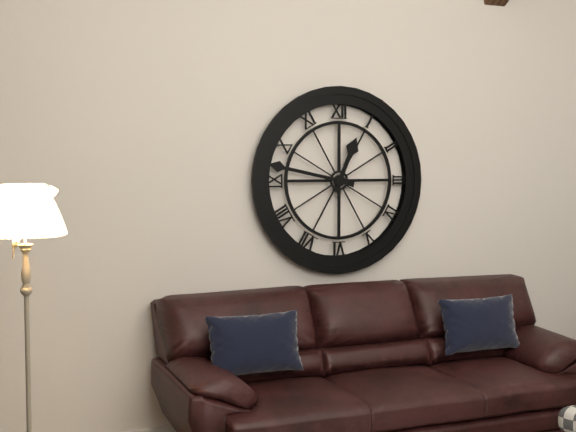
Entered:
12:47
